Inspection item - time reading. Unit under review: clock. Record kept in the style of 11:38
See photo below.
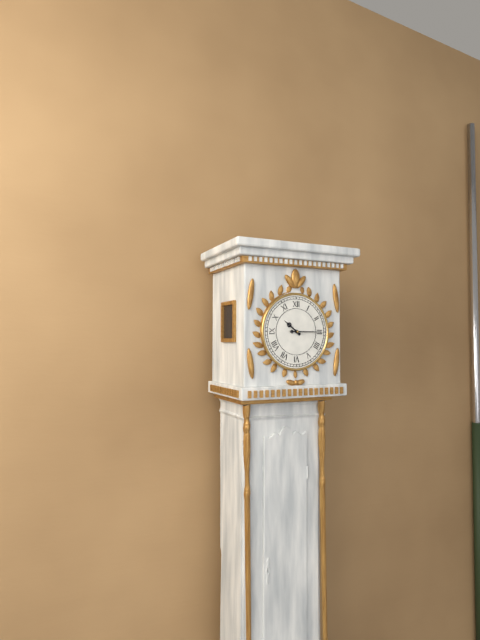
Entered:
10:15
